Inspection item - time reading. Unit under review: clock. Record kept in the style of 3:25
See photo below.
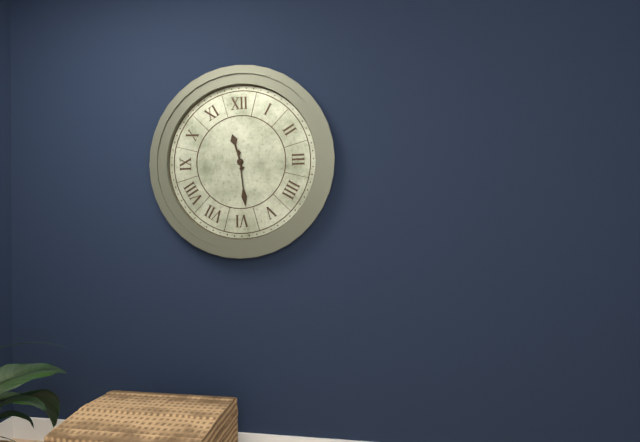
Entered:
11:29
